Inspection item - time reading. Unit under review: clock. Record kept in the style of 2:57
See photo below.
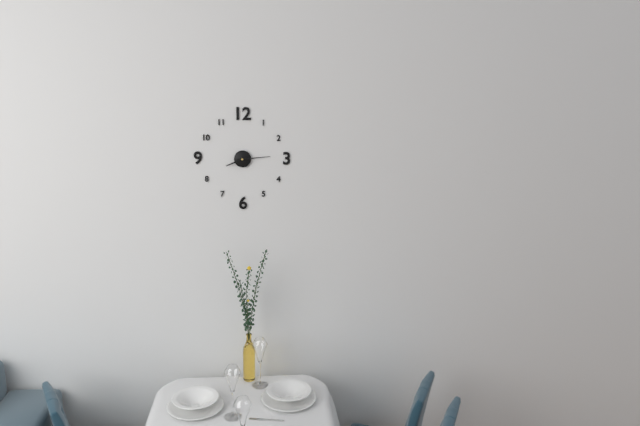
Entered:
8:14
